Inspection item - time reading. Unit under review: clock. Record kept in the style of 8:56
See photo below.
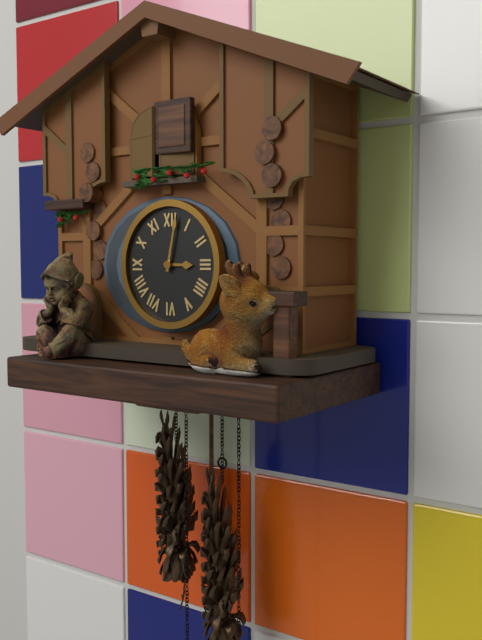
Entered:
3:02
